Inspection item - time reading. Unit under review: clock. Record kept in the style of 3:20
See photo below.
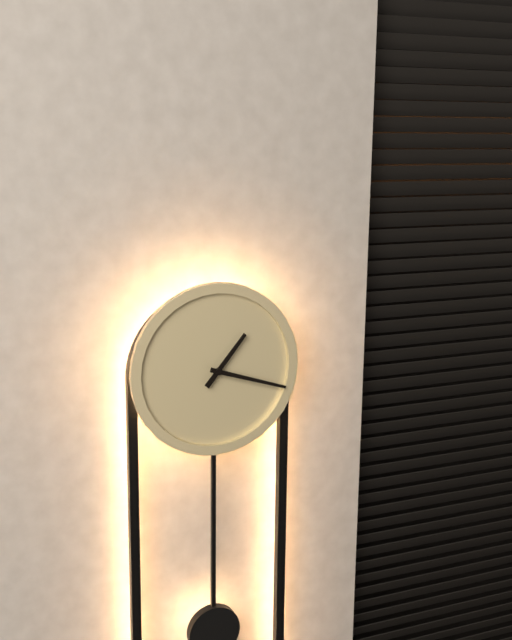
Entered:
1:18
